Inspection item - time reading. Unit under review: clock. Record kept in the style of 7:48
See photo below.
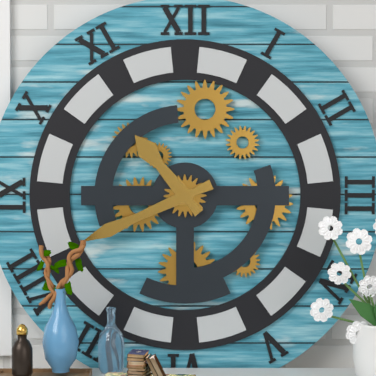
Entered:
10:41
